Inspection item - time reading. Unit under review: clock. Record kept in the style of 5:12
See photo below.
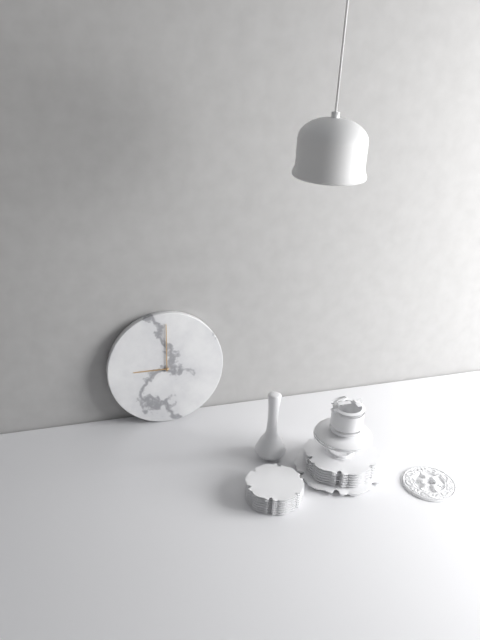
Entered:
9:00
